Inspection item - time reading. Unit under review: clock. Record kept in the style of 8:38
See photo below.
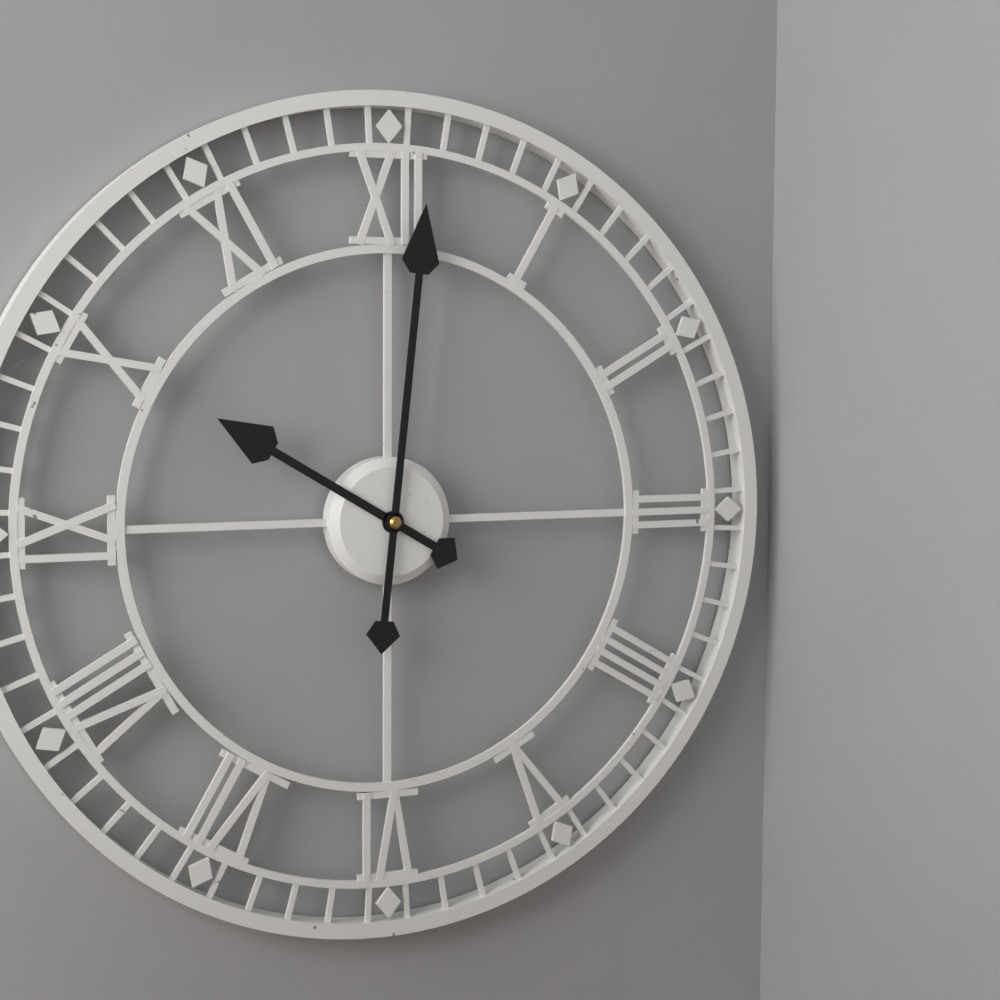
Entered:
10:01
